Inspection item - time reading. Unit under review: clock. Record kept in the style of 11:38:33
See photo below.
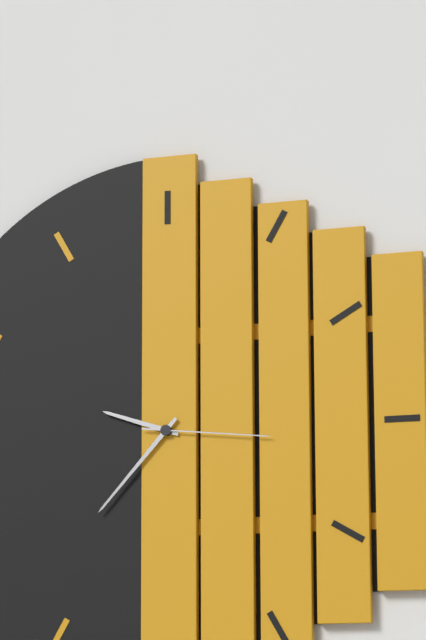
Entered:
9:37:16
